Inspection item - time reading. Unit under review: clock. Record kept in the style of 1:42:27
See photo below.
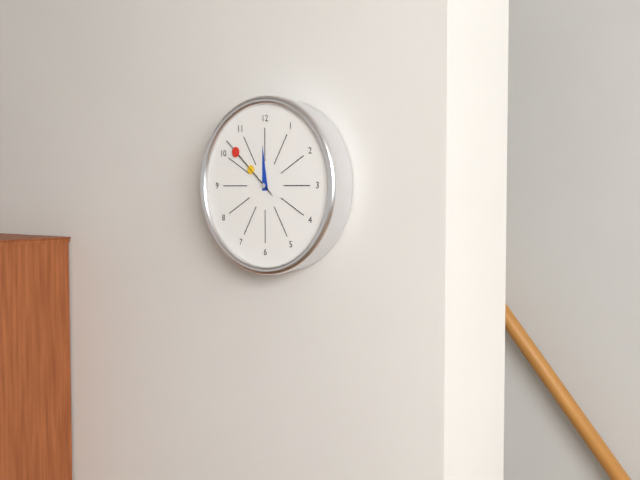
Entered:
11:52:52
